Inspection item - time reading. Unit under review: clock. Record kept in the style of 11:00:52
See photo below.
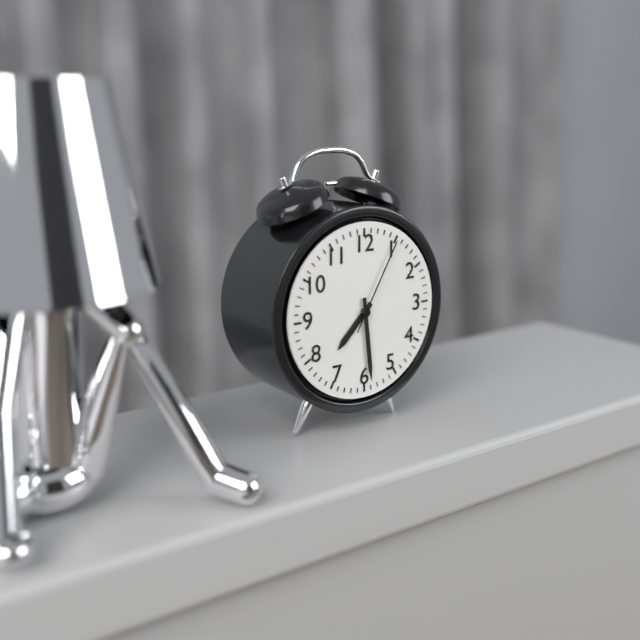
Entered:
7:29:05
